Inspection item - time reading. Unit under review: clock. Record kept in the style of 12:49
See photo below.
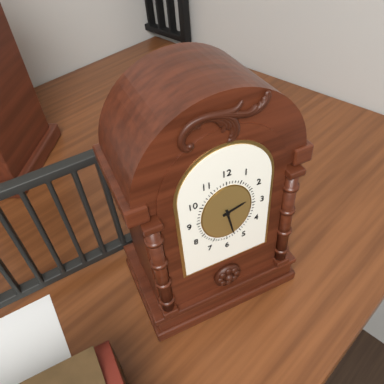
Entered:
2:28
